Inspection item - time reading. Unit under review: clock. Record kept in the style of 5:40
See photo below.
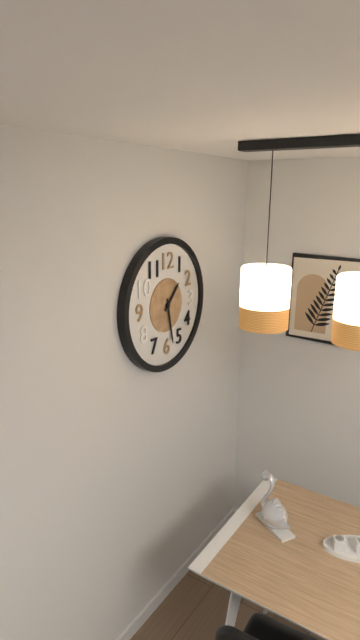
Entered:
1:28
